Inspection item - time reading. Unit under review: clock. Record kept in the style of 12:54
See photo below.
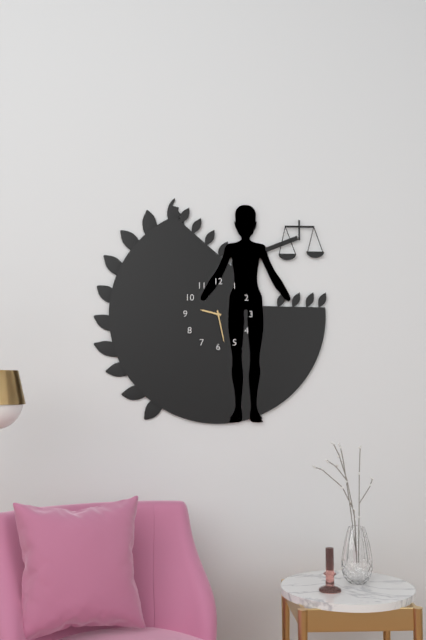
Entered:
9:28
